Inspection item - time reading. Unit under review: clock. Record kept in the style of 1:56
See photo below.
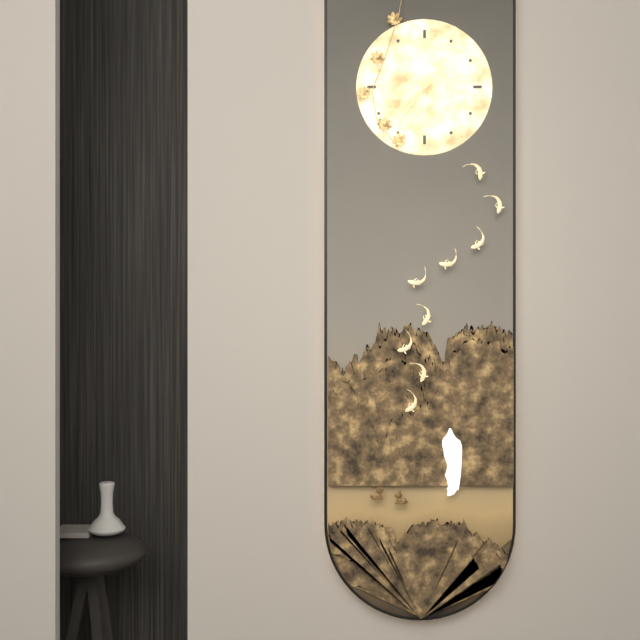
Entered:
7:36
